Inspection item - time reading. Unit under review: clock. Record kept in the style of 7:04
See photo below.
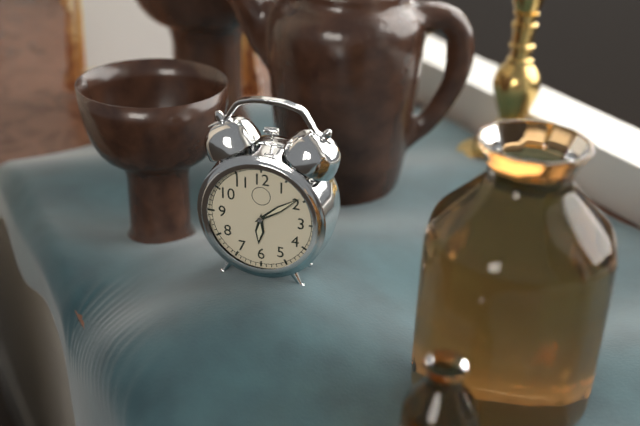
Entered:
6:09
